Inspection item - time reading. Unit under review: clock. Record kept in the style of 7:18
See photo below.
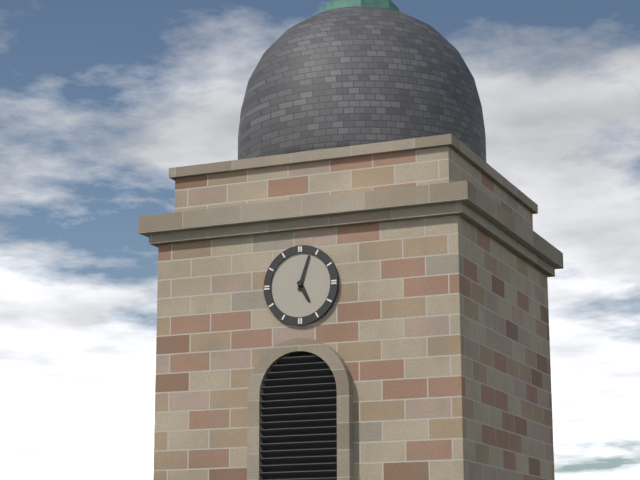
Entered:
5:03
